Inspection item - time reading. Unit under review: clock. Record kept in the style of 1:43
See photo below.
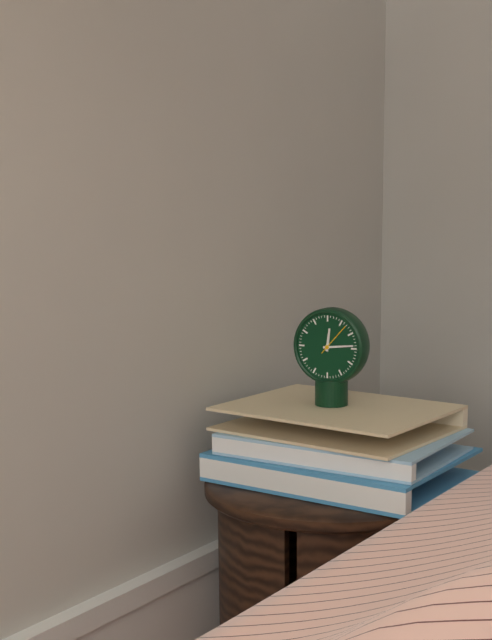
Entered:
12:14
